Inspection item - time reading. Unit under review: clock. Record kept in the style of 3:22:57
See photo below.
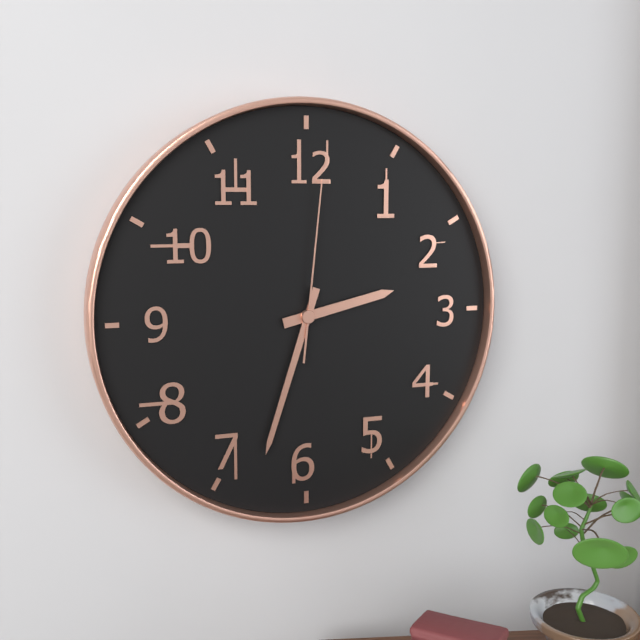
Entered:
2:33:01
